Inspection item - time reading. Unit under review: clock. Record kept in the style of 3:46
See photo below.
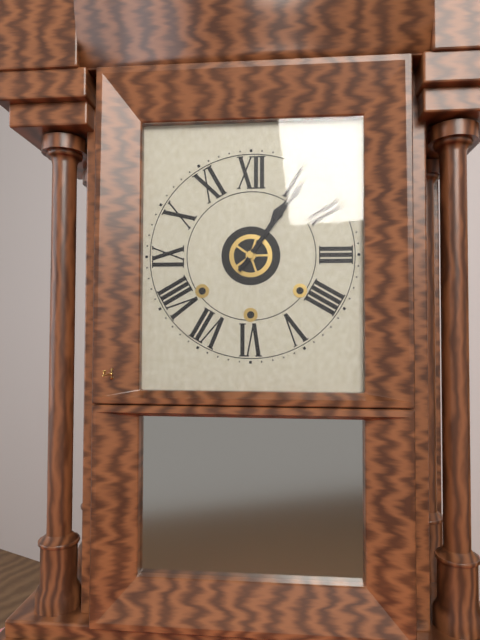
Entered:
1:06
